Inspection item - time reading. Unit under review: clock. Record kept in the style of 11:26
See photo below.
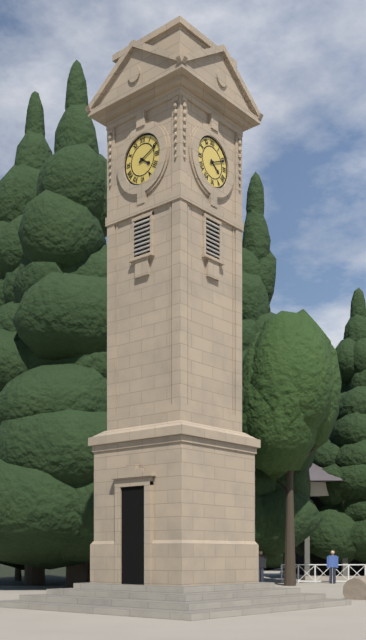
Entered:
4:11
